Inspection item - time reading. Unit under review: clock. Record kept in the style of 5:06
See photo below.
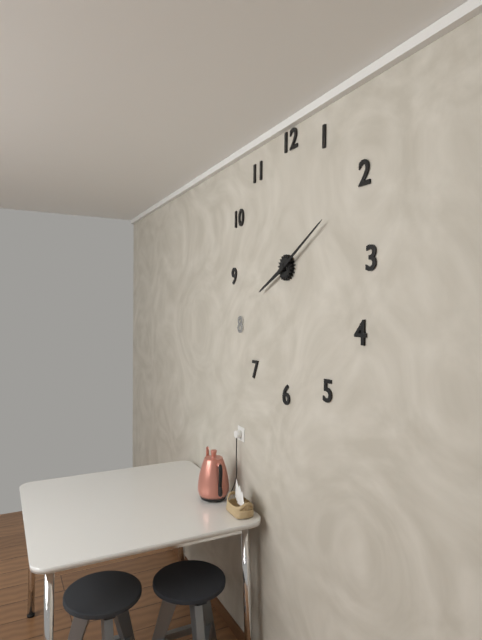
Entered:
8:10
